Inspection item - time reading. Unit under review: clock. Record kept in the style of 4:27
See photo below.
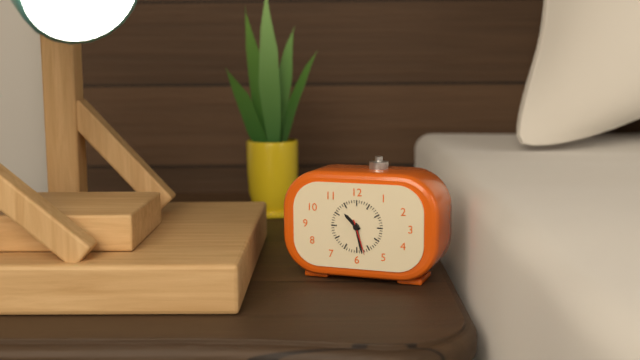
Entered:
10:28
